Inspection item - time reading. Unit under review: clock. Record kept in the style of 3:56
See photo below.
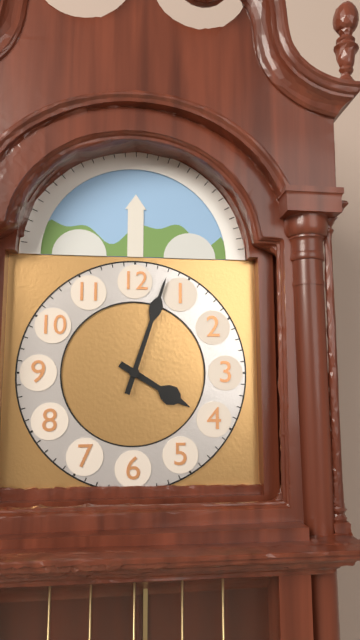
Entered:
4:03
